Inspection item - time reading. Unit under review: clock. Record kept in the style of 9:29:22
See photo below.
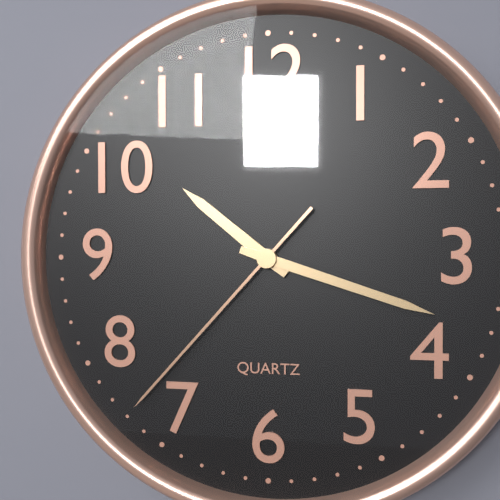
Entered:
10:18:37
